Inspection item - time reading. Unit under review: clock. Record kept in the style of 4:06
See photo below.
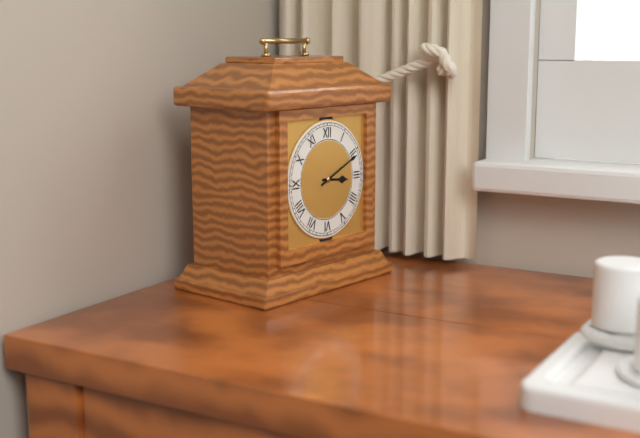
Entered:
3:11
